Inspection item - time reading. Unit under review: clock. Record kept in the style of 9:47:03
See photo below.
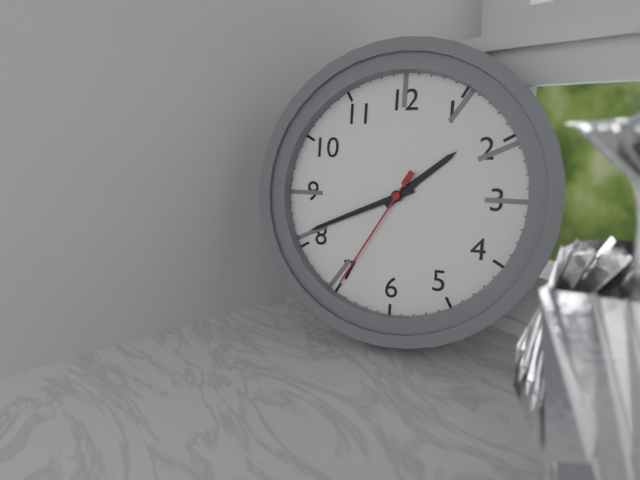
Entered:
1:41:35
